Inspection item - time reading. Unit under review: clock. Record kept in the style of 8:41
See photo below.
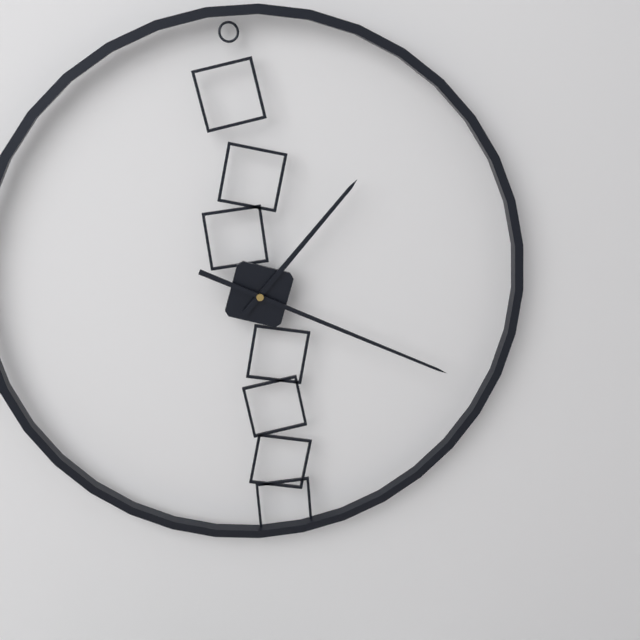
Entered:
1:19
